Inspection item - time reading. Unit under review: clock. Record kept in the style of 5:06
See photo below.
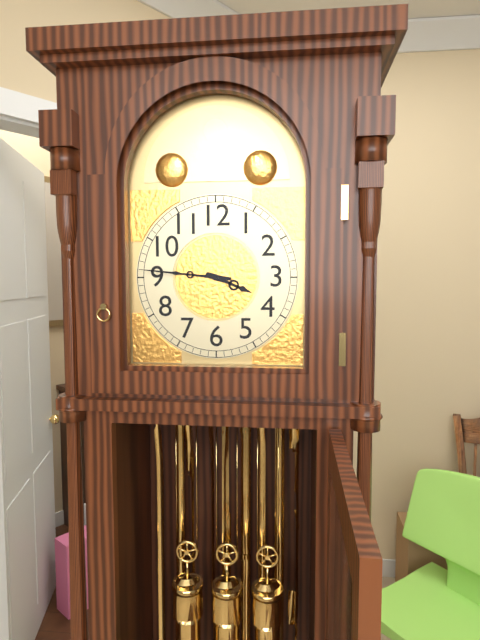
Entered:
3:46
